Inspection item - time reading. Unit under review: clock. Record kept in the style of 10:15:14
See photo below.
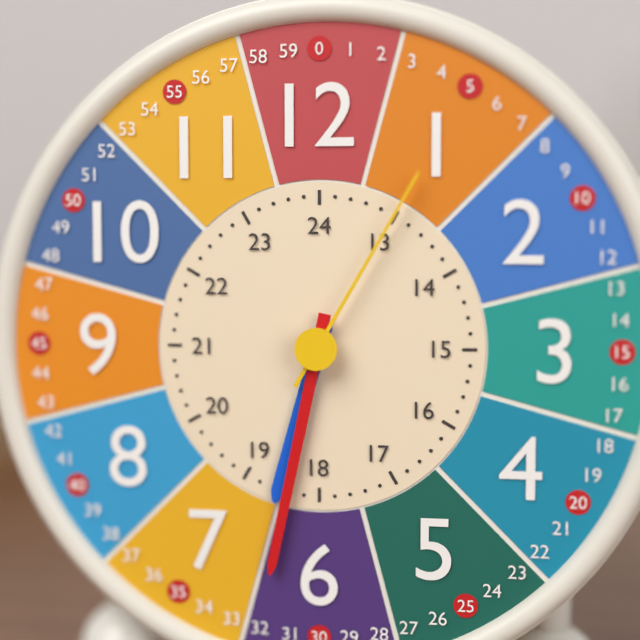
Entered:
6:32:05
